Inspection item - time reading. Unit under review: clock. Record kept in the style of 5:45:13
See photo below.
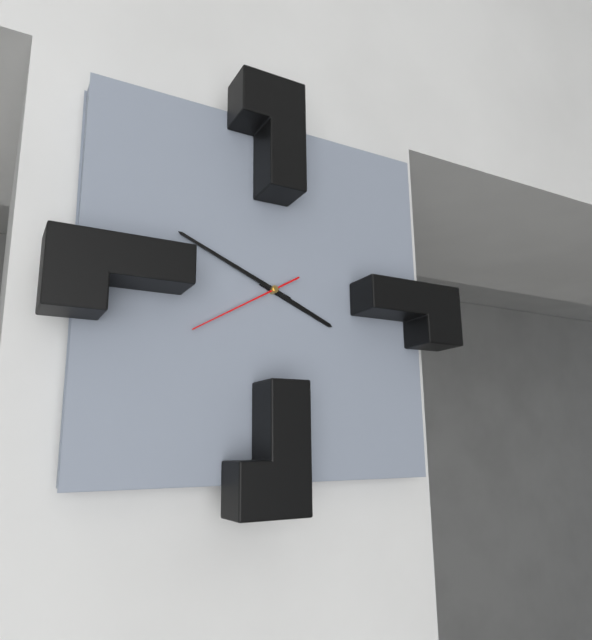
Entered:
3:49:40
